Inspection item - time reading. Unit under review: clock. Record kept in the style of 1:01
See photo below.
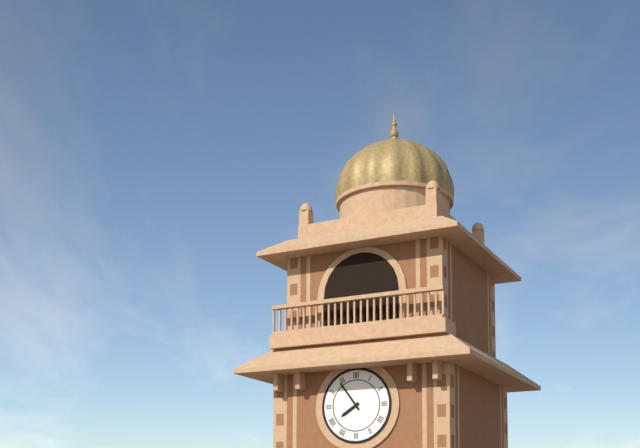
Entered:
7:54
